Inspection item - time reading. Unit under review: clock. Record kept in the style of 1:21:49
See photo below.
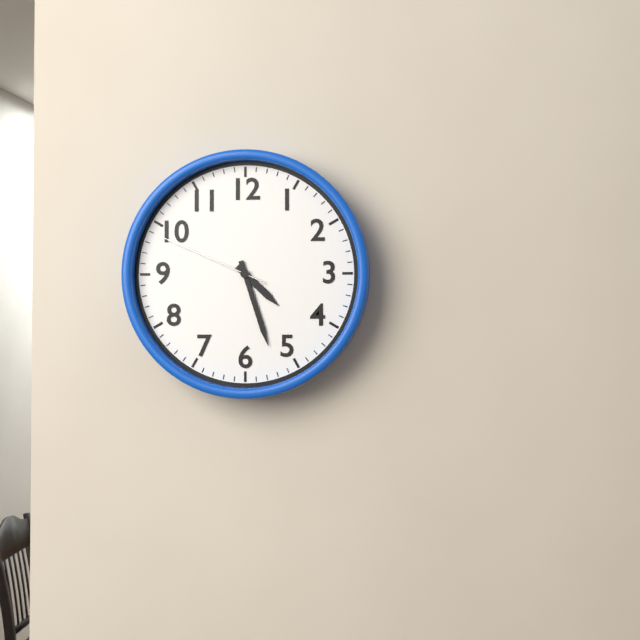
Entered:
4:27:49
